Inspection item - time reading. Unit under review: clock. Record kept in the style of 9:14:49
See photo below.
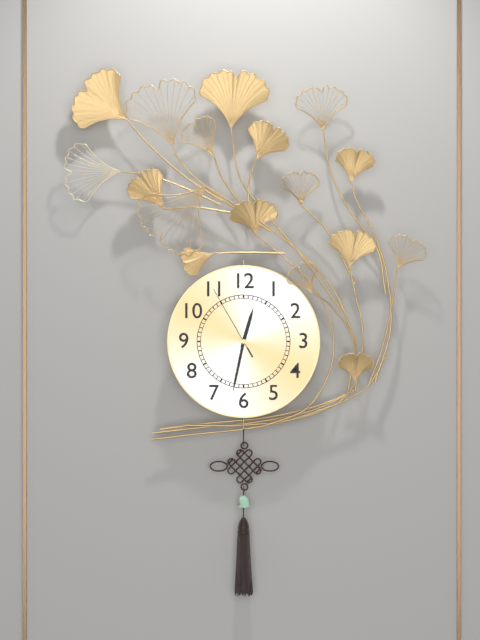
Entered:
12:32:55
